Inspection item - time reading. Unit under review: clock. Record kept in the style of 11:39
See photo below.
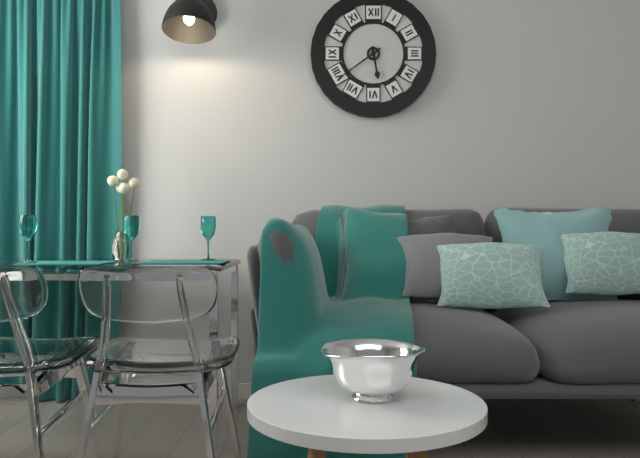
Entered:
5:39
